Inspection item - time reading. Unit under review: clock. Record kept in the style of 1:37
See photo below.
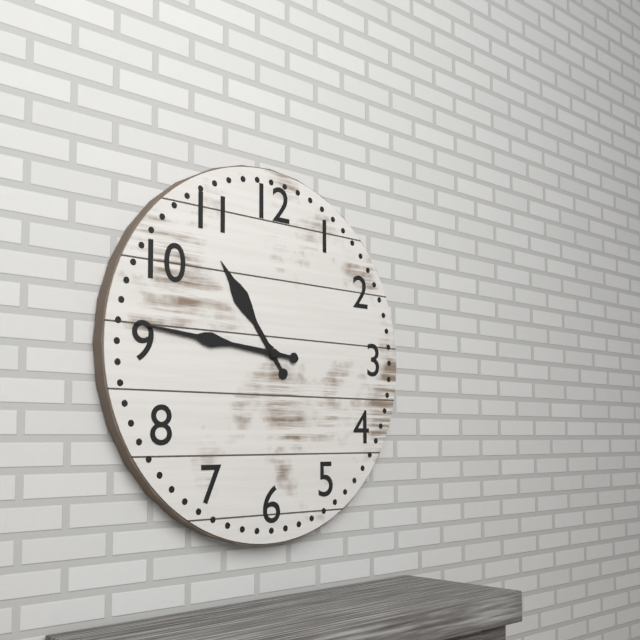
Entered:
10:46
